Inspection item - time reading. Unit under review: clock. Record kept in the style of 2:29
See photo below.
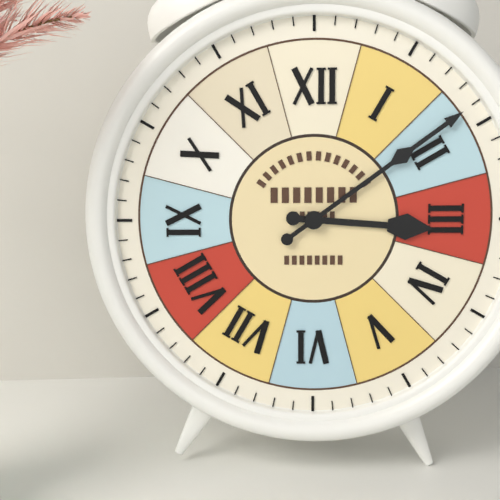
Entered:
3:09
